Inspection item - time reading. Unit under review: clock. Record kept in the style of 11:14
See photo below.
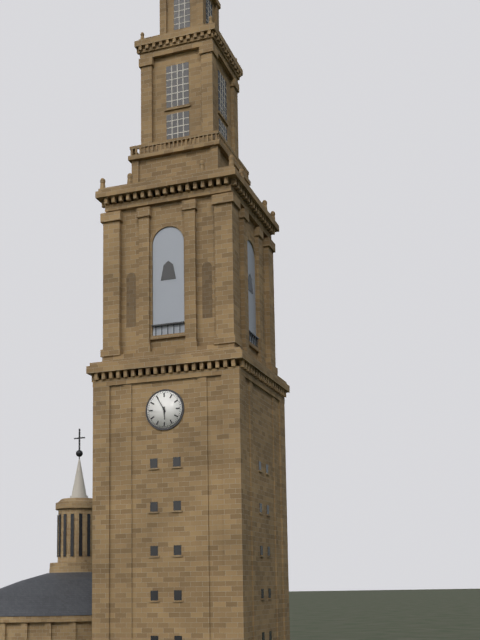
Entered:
5:55
